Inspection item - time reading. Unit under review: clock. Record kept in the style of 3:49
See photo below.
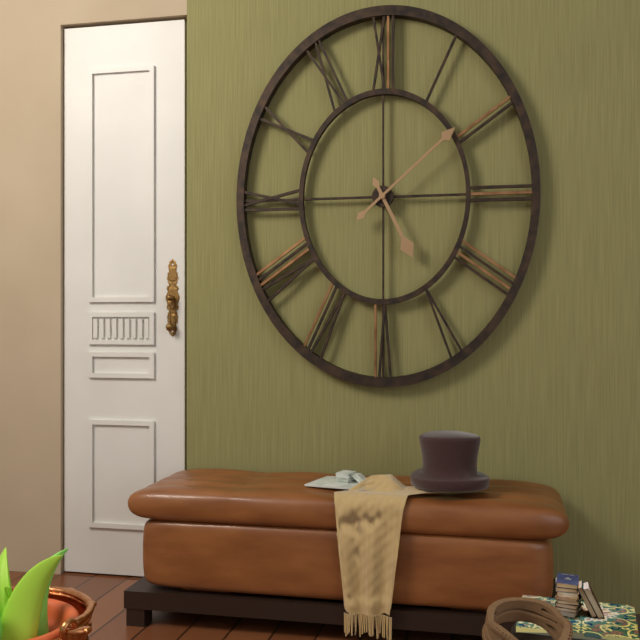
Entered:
5:08
